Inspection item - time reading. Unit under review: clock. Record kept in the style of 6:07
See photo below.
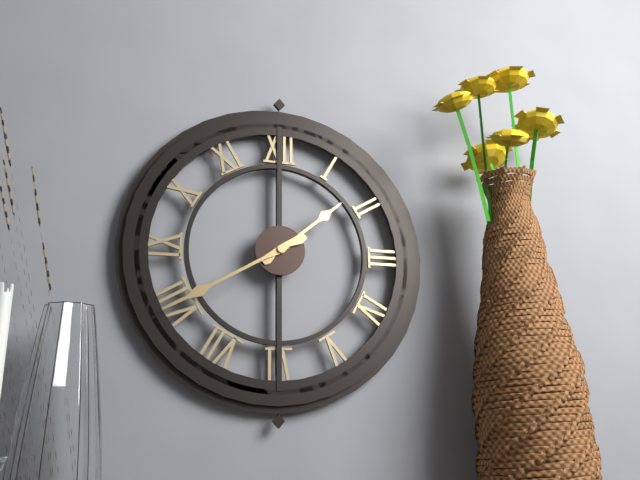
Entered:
1:40
